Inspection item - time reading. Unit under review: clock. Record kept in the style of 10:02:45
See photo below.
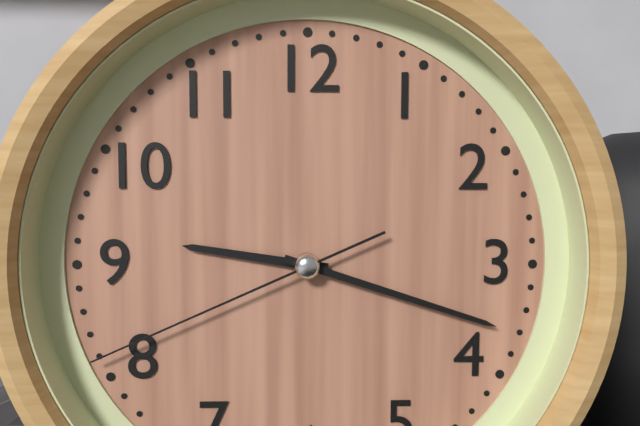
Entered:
9:18:41
